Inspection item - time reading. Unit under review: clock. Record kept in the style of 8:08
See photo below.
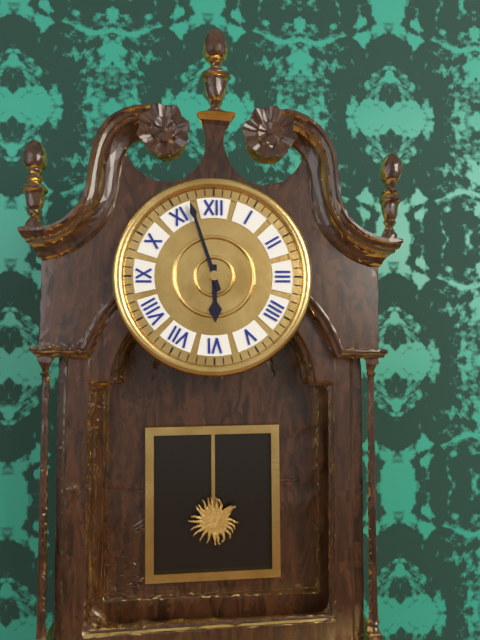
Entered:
5:57
